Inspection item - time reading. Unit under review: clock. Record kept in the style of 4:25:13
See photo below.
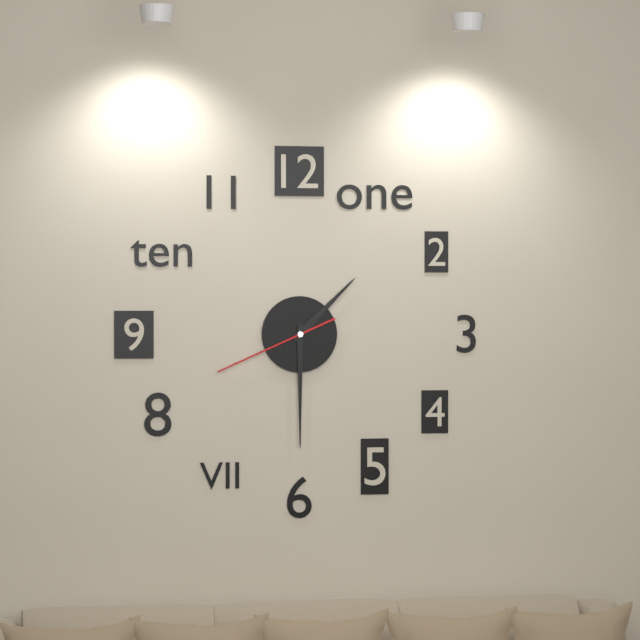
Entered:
1:30:41
